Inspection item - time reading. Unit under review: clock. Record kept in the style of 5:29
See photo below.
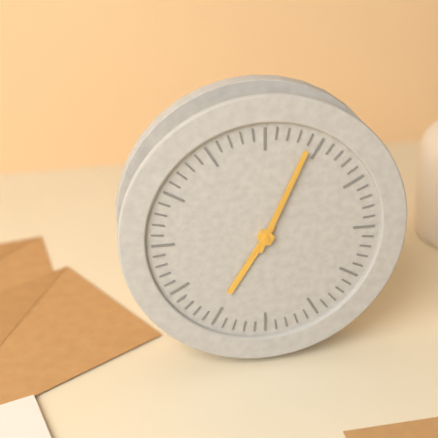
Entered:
7:04
